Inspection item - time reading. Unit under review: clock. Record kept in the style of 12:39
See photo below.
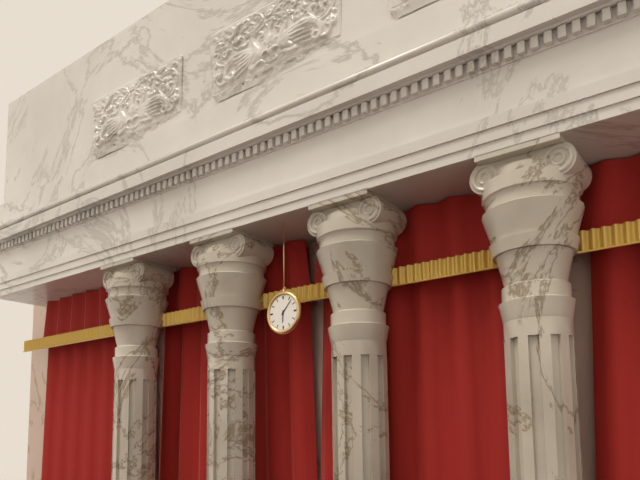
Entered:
6:07
